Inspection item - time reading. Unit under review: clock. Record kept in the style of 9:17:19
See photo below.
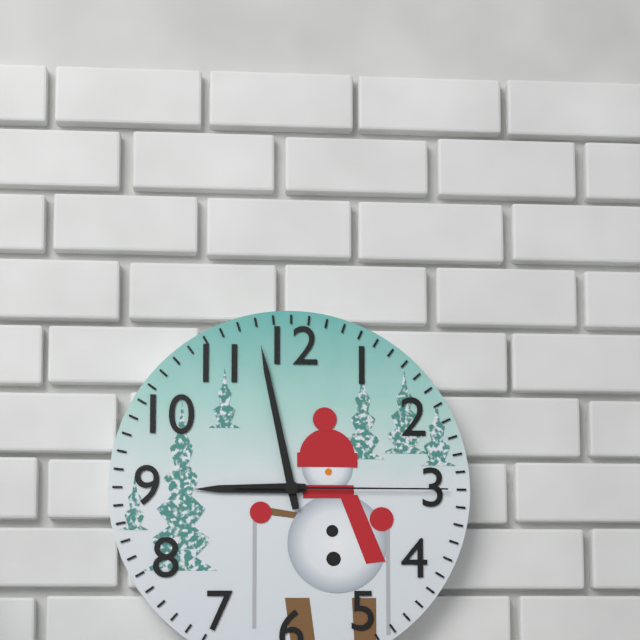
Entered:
8:58:15
